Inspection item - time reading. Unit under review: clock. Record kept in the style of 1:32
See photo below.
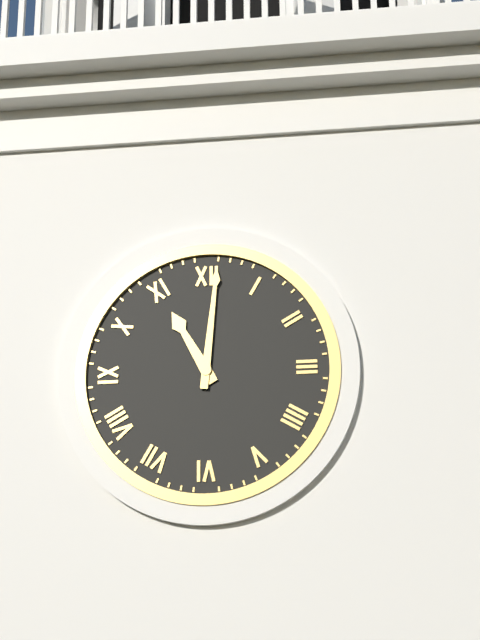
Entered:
11:01
